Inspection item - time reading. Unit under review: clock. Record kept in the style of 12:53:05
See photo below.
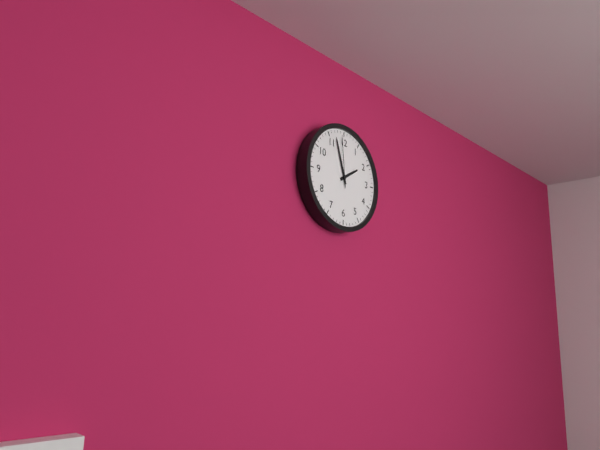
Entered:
1:57:59
